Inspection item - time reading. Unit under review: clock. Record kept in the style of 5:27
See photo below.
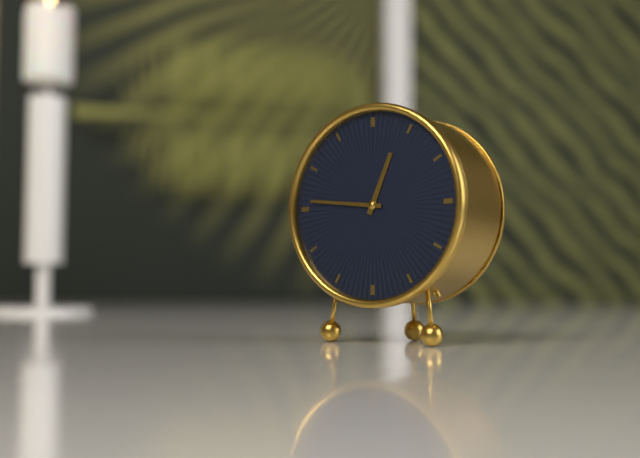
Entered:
12:46
